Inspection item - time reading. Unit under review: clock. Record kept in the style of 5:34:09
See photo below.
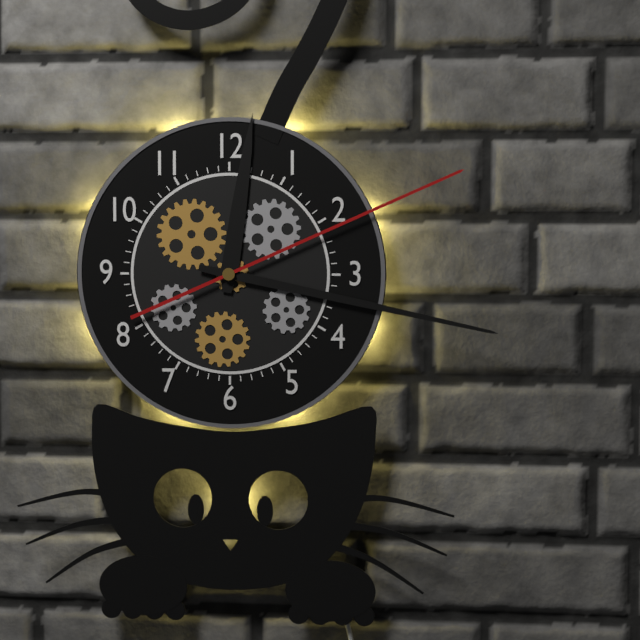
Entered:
12:17:11
